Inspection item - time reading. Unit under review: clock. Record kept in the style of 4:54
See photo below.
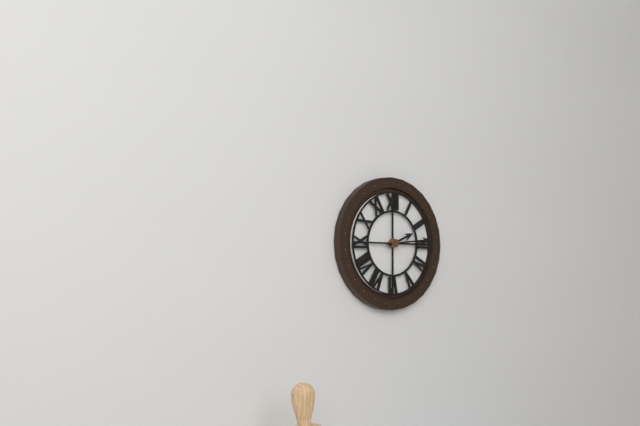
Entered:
2:14
